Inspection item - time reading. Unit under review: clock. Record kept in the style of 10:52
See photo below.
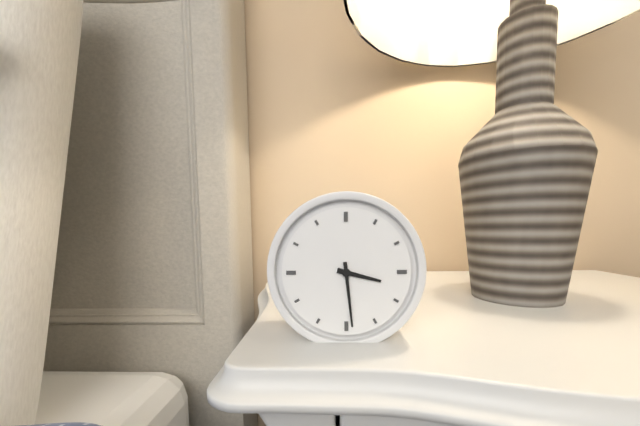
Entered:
3:29
